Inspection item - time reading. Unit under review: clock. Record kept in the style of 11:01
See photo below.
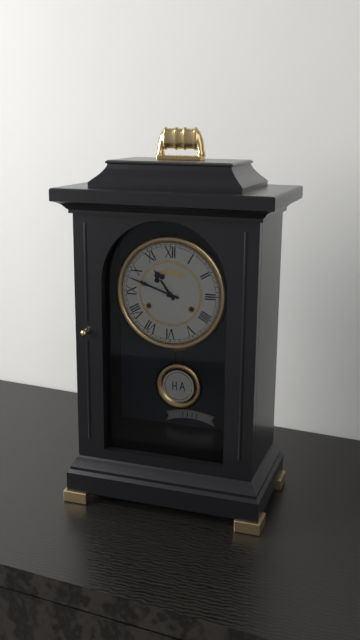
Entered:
10:48
